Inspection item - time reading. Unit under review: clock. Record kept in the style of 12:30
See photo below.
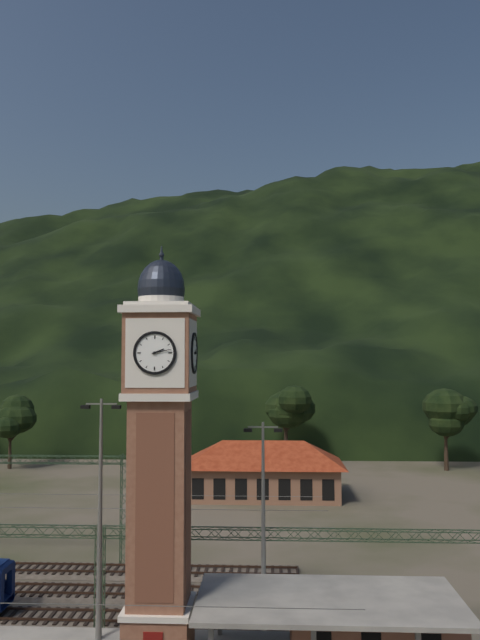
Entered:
2:13
